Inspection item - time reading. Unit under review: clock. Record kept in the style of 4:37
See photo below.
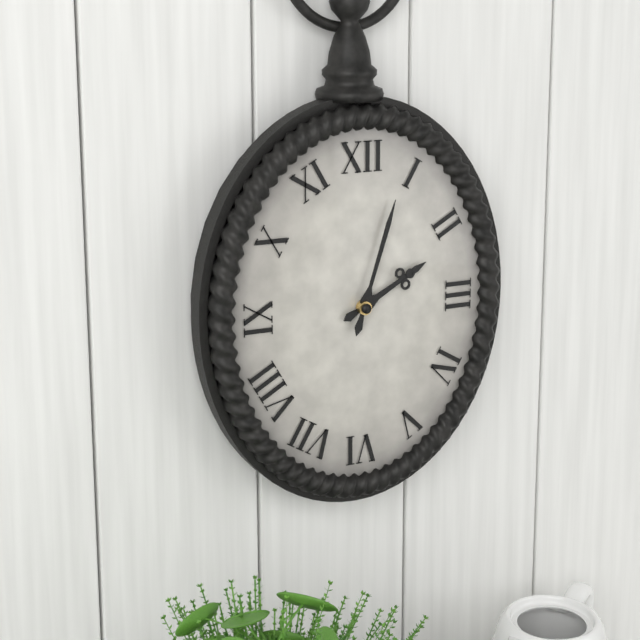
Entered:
2:03
